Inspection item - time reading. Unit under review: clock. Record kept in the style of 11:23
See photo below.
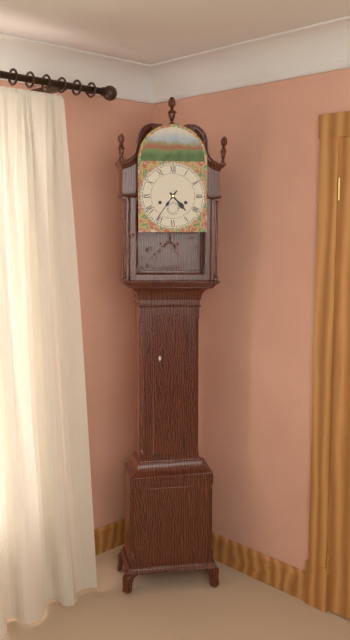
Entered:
4:36
